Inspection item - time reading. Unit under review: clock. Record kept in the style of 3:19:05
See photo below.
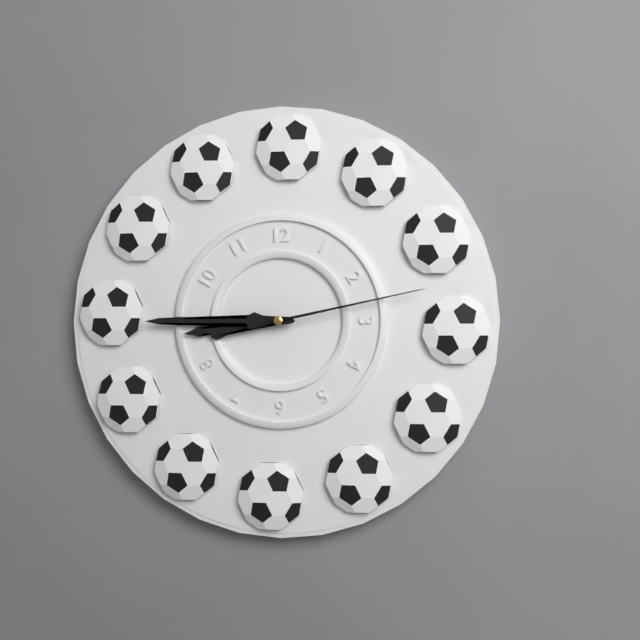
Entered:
8:45:13
